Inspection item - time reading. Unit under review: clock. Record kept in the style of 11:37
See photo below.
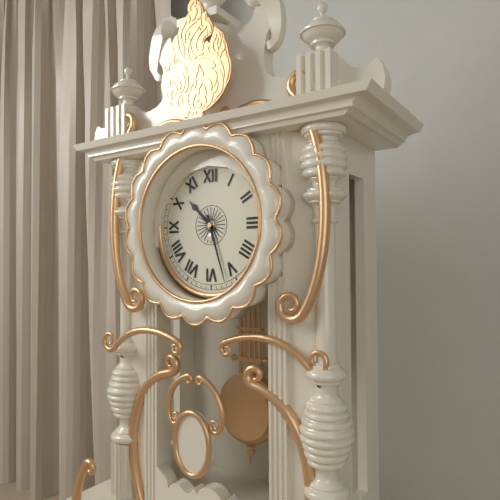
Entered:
10:27
